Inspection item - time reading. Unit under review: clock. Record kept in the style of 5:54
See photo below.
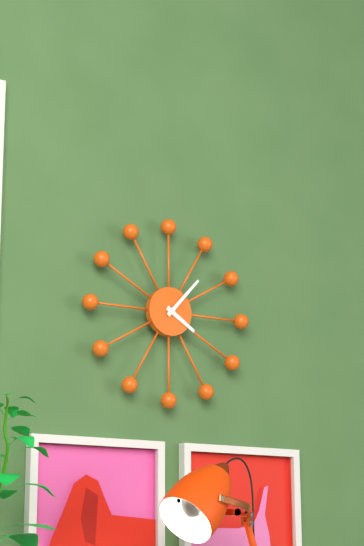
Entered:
4:07
